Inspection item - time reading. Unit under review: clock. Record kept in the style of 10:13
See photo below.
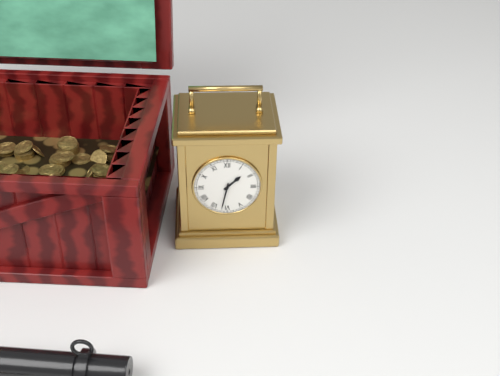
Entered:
1:32
